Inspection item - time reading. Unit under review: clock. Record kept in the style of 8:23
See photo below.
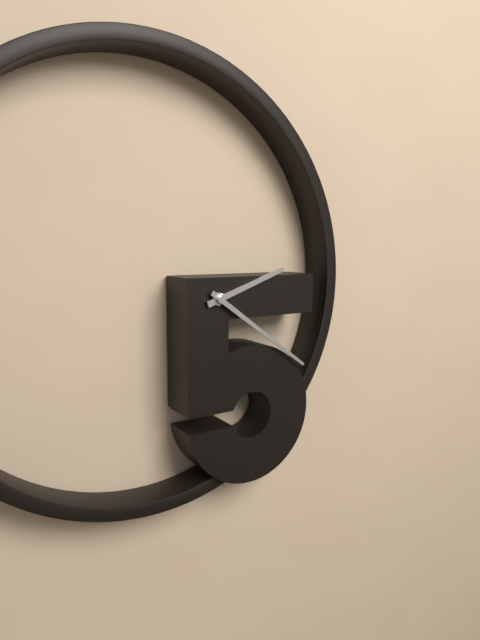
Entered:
2:21
